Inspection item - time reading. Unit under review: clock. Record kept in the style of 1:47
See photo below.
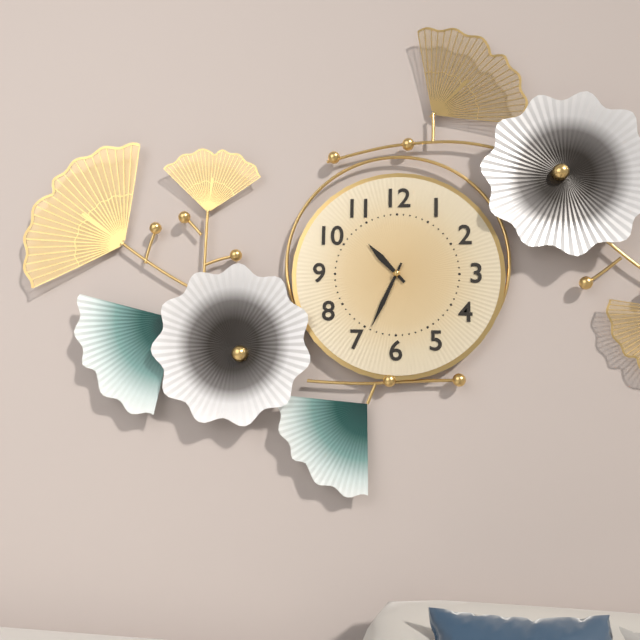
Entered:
10:34
